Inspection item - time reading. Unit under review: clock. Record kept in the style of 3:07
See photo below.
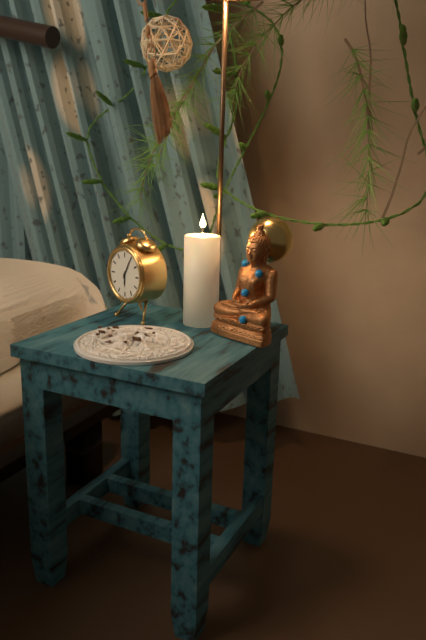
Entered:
6:05
